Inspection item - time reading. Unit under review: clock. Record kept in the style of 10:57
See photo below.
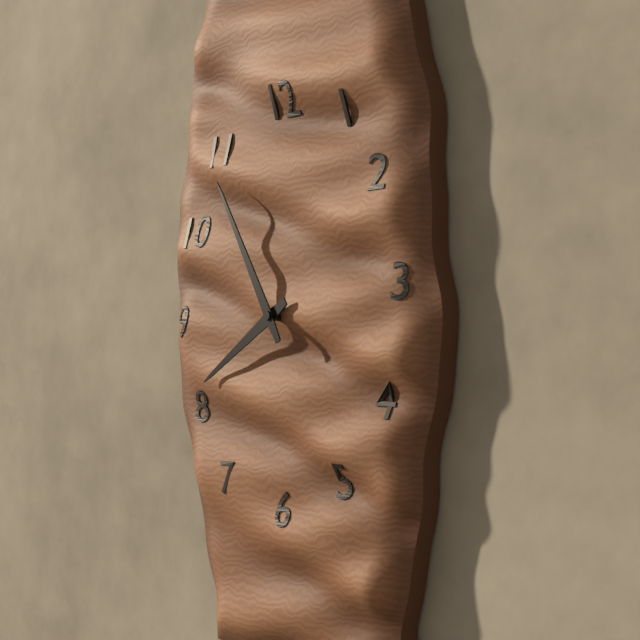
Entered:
7:55
